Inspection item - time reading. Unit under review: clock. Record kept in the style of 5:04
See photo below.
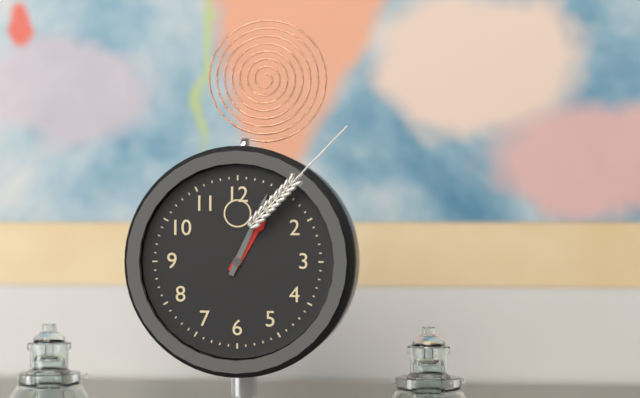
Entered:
1:04
